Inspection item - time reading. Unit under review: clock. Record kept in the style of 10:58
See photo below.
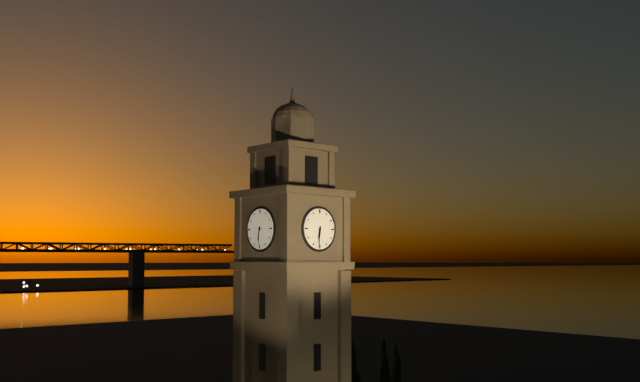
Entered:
6:31
